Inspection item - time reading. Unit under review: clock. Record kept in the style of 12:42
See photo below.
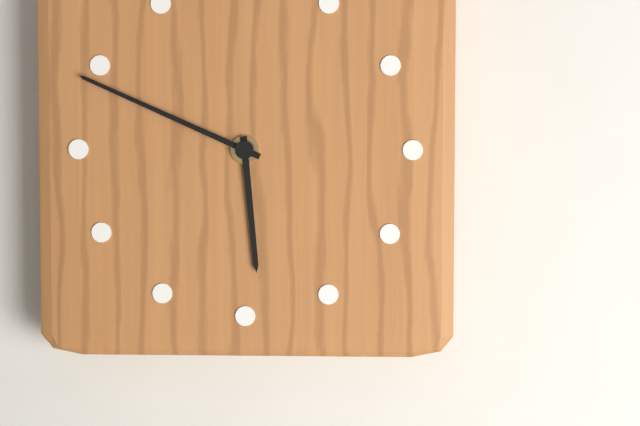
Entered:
5:49
